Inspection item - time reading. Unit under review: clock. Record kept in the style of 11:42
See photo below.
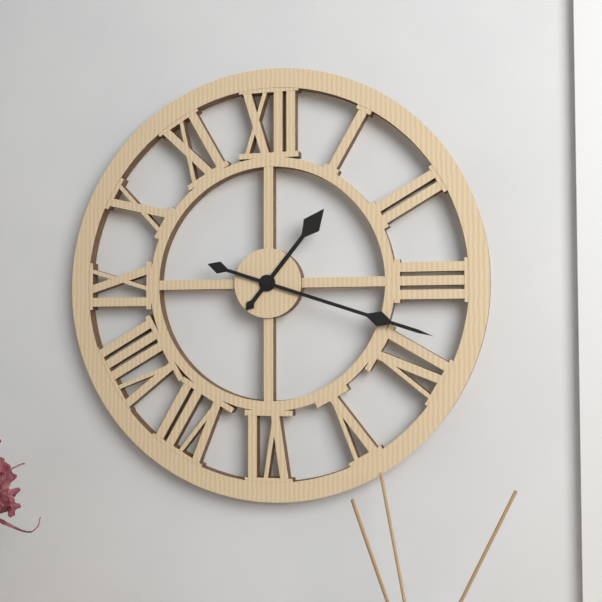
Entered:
1:18
